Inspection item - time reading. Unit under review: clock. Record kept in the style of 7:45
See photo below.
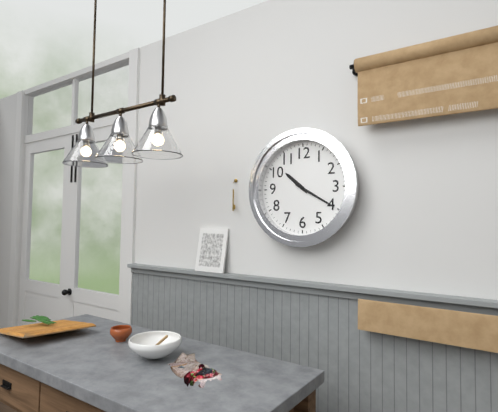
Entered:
10:20
